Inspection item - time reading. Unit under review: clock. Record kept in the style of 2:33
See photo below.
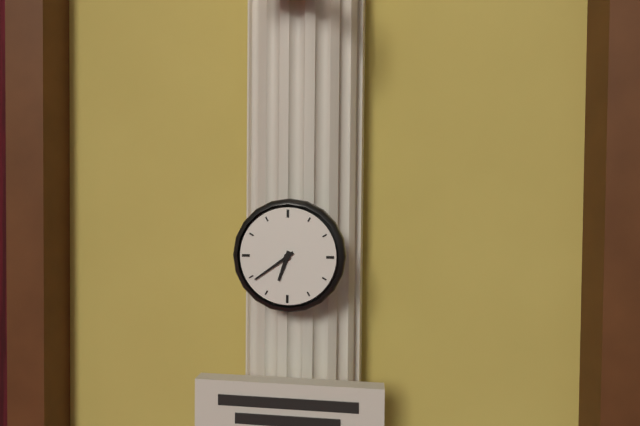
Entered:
6:39
